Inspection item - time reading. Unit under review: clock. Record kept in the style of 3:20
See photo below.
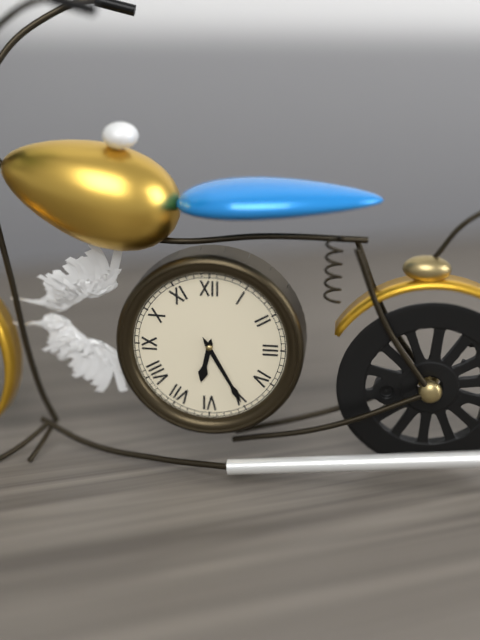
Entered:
6:25
